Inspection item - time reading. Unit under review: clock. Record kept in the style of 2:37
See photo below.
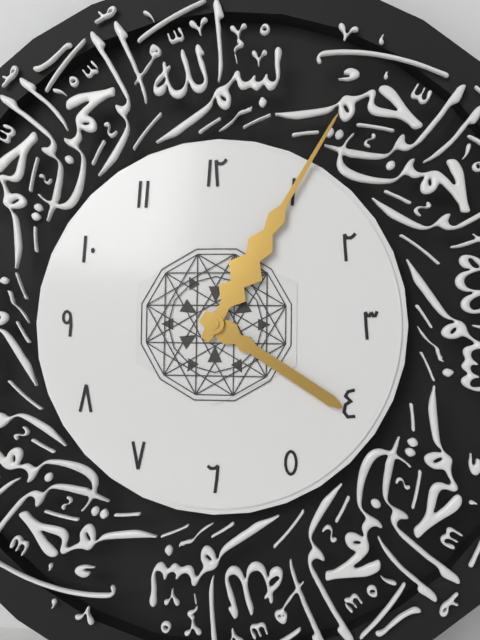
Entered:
4:05
